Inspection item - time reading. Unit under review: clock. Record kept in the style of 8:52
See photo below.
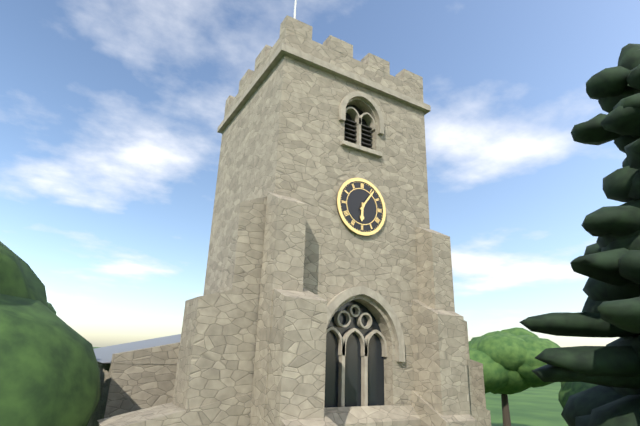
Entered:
6:06
